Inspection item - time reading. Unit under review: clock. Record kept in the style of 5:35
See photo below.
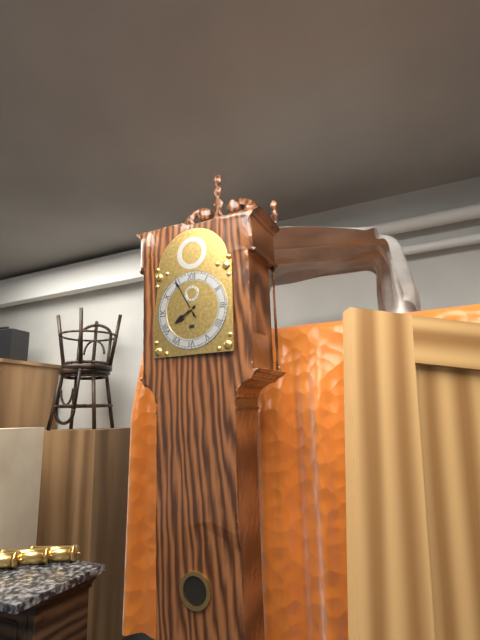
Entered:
7:55
